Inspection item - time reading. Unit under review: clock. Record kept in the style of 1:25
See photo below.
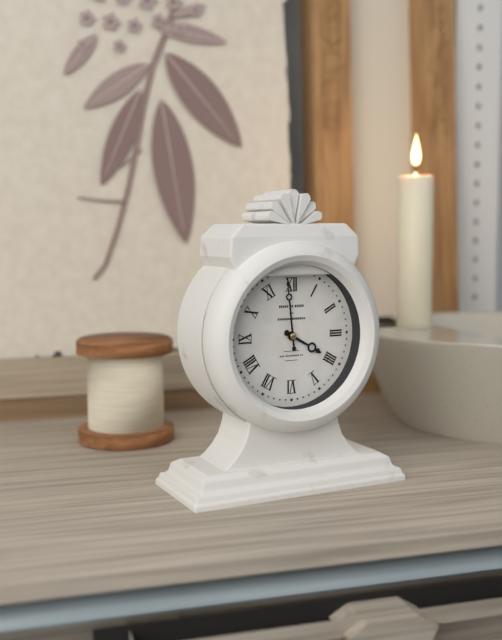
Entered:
3:59
